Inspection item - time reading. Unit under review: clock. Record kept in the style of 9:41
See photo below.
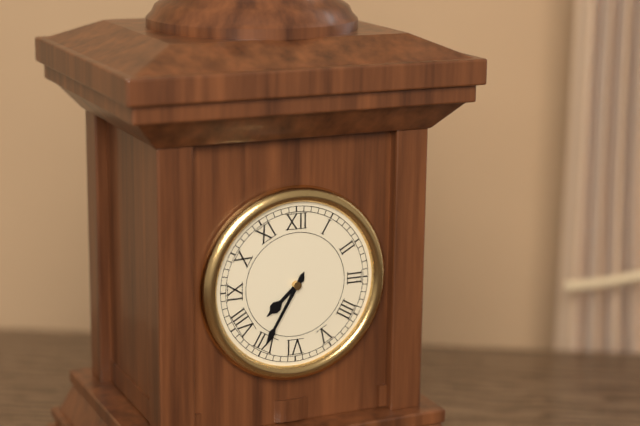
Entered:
7:35
